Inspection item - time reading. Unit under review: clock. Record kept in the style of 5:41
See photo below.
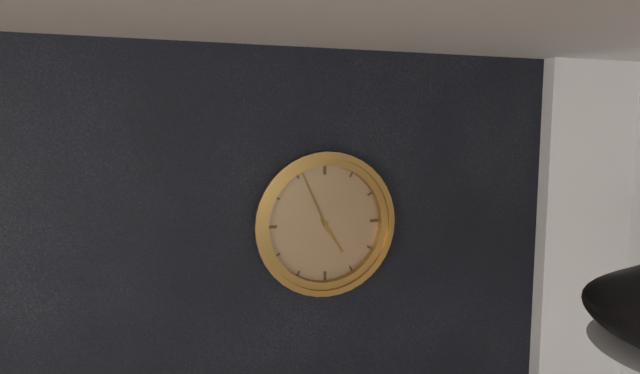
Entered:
4:56
